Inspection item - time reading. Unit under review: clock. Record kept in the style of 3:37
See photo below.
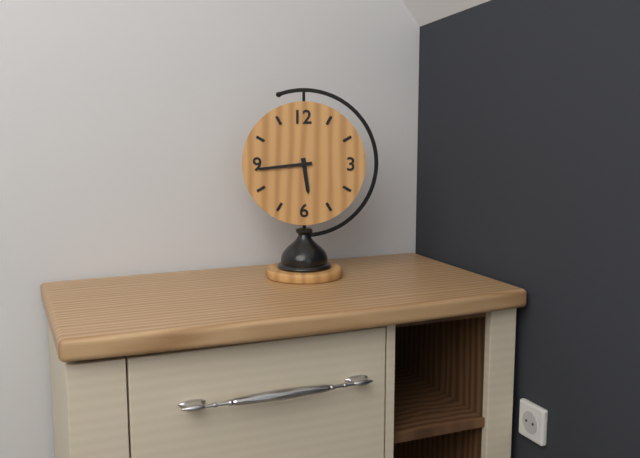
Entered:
5:44
